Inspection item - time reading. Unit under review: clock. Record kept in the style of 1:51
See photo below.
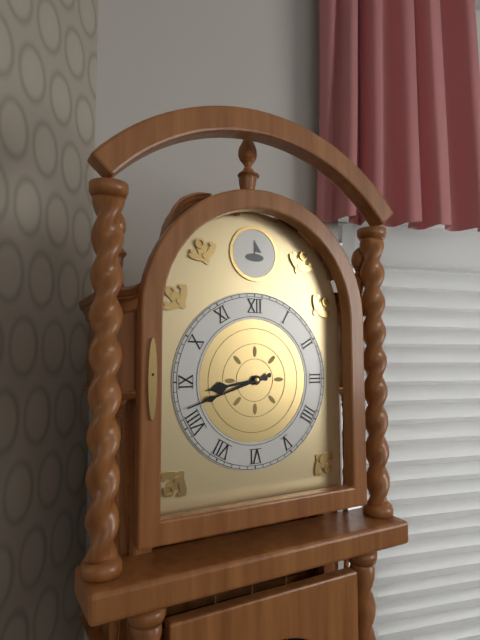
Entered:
8:42
